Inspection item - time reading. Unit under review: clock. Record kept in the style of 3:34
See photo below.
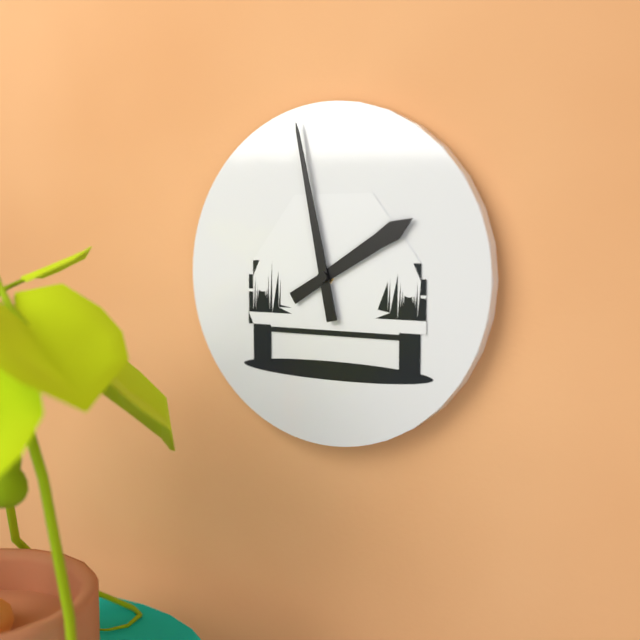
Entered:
1:58
